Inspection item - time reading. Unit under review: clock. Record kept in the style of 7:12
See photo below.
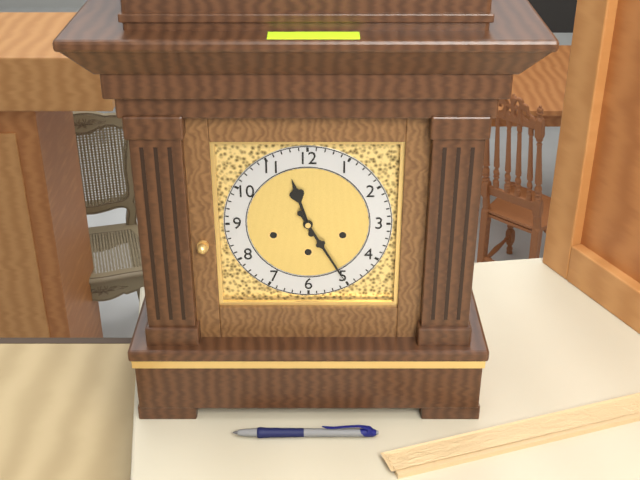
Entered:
11:25
